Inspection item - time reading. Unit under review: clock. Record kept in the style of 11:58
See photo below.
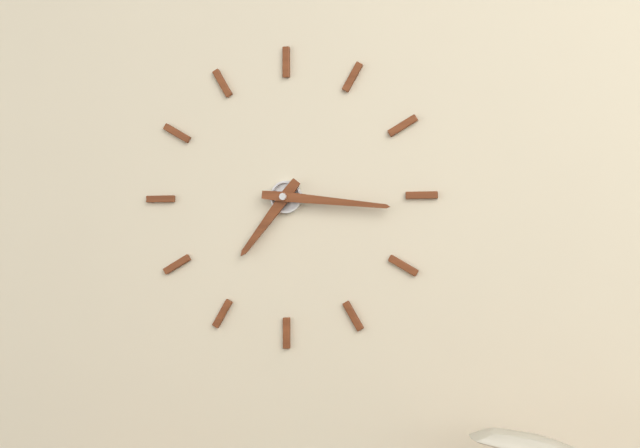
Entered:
7:16
